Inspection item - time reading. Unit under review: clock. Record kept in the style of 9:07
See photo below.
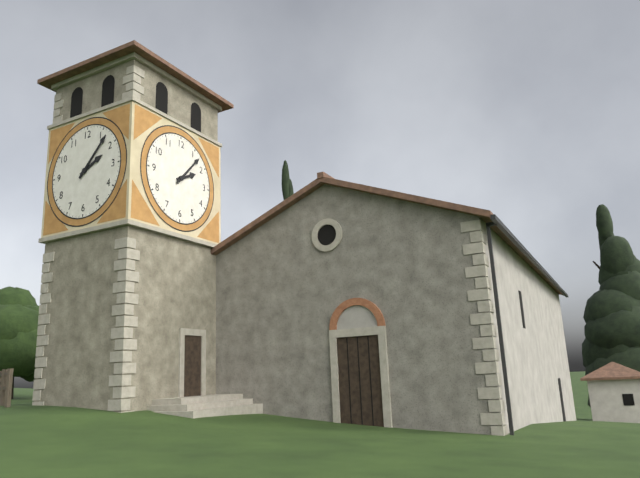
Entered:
2:07
